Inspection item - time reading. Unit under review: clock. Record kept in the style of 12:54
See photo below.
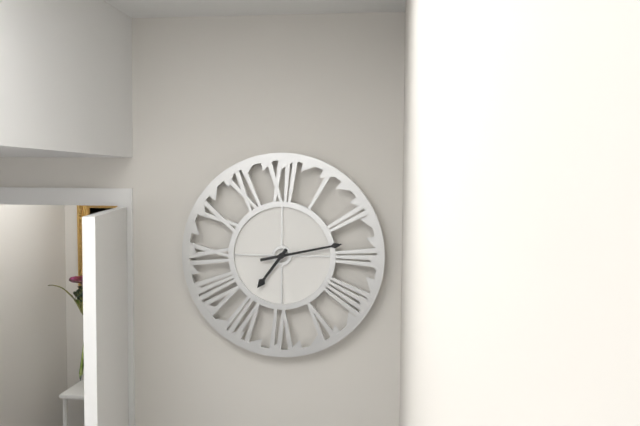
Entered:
7:13
